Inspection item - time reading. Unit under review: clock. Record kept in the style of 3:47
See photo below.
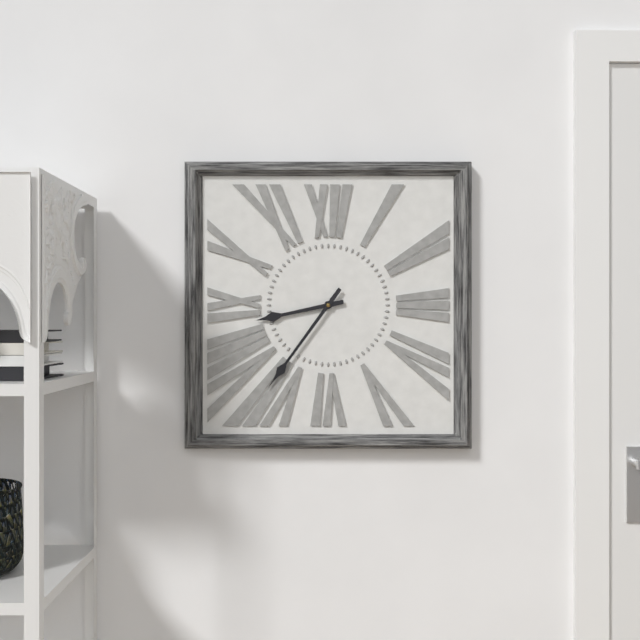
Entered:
8:36
